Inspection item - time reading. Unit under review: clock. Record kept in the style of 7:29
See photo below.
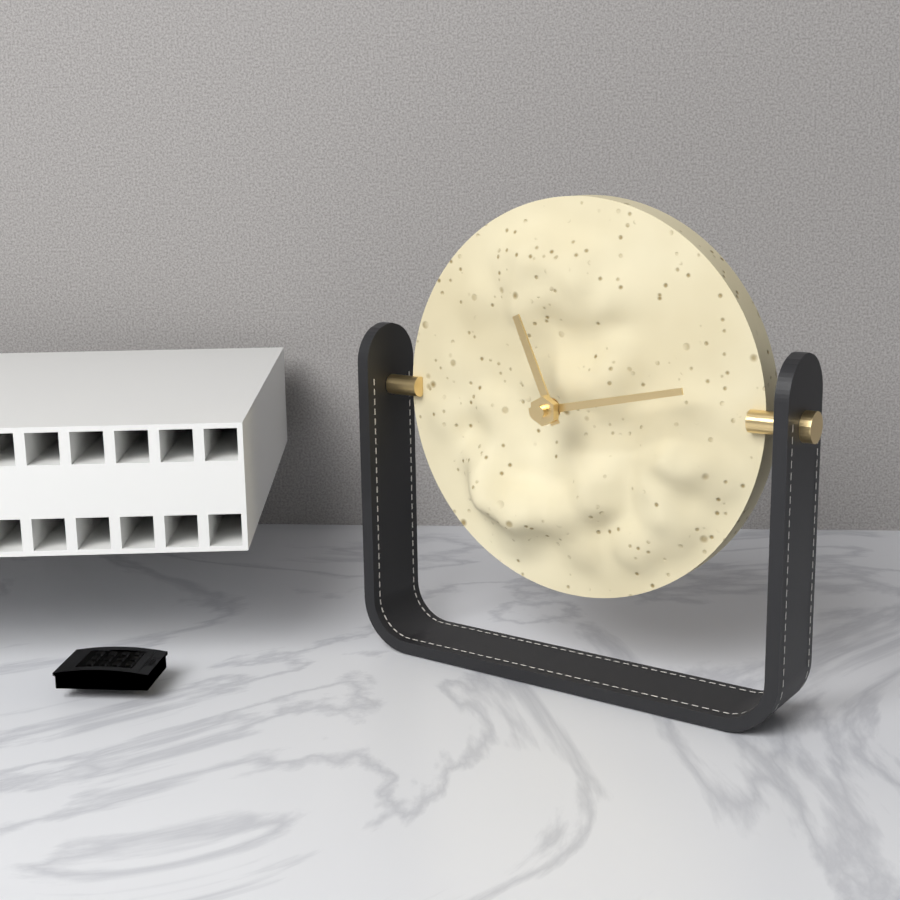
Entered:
11:13
